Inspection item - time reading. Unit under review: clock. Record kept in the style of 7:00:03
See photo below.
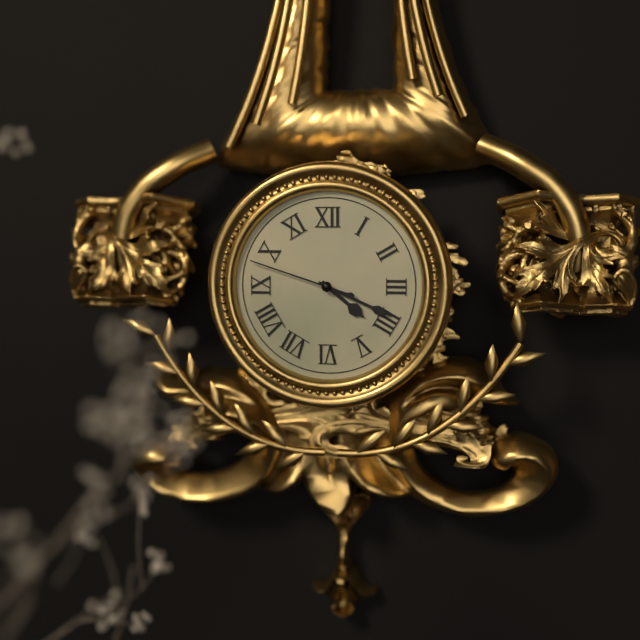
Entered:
4:19:48
